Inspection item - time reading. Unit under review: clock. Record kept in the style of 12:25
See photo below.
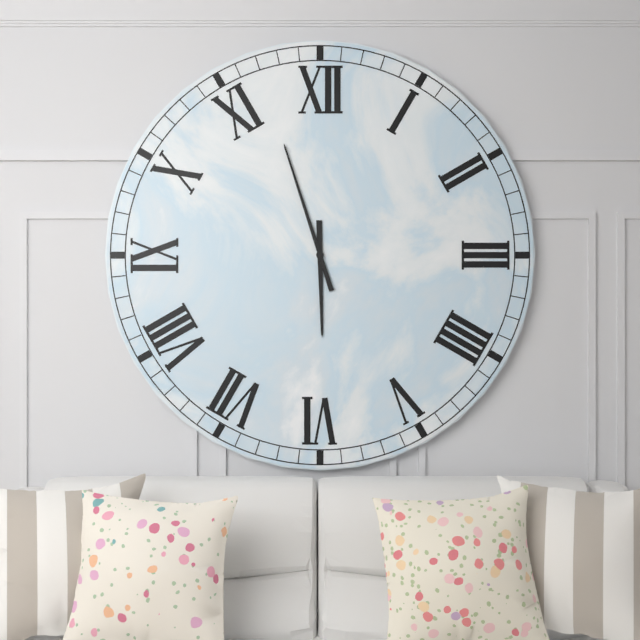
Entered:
5:57
